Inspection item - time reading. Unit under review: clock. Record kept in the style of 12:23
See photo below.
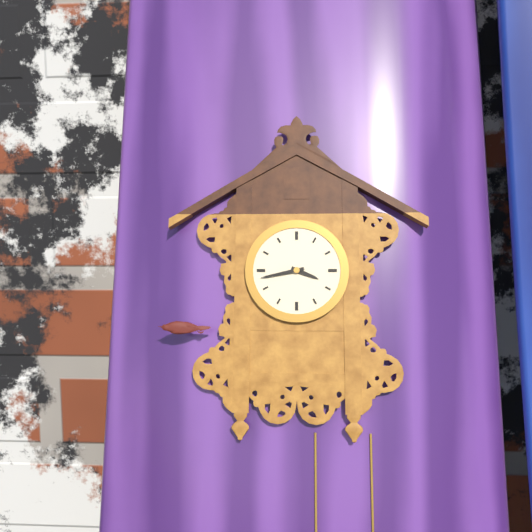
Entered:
3:43
